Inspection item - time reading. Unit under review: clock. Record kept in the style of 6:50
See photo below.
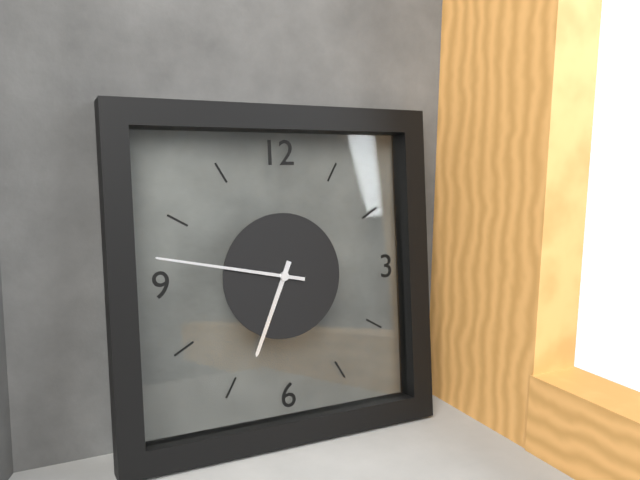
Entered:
6:47
